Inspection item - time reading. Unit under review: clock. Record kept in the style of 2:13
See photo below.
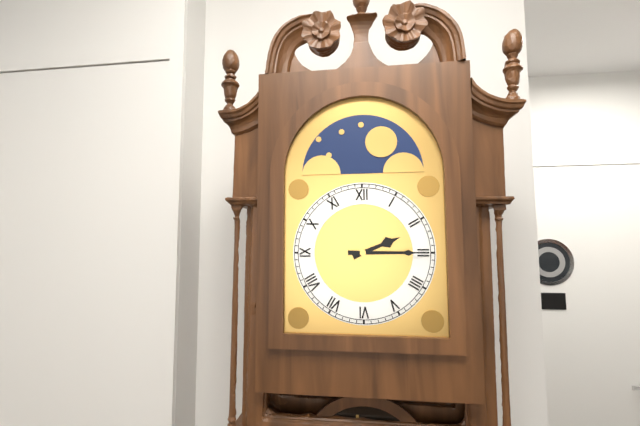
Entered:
2:15
